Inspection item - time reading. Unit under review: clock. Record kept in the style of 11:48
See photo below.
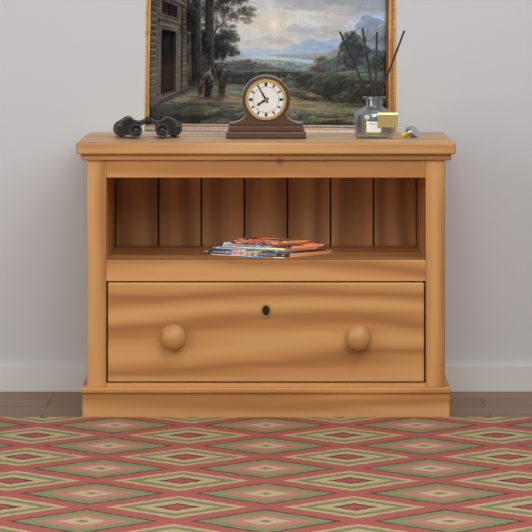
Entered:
7:55
